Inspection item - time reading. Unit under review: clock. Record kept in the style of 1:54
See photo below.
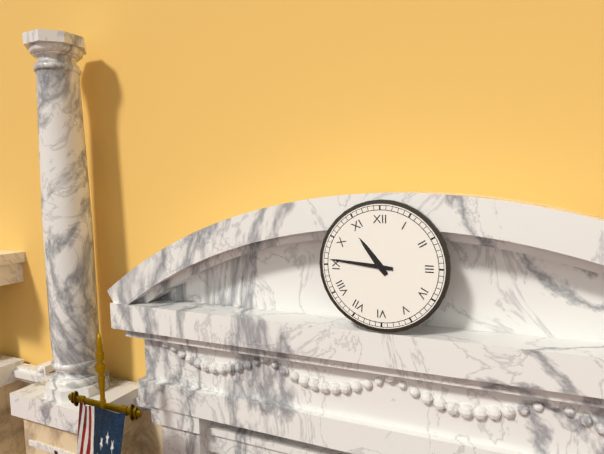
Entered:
10:46
